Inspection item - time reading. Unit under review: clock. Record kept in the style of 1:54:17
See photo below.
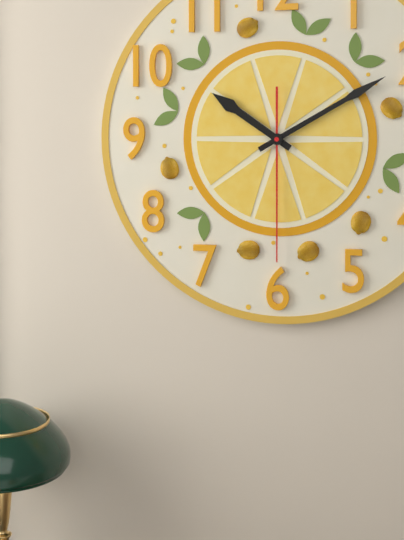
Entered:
10:10:30
